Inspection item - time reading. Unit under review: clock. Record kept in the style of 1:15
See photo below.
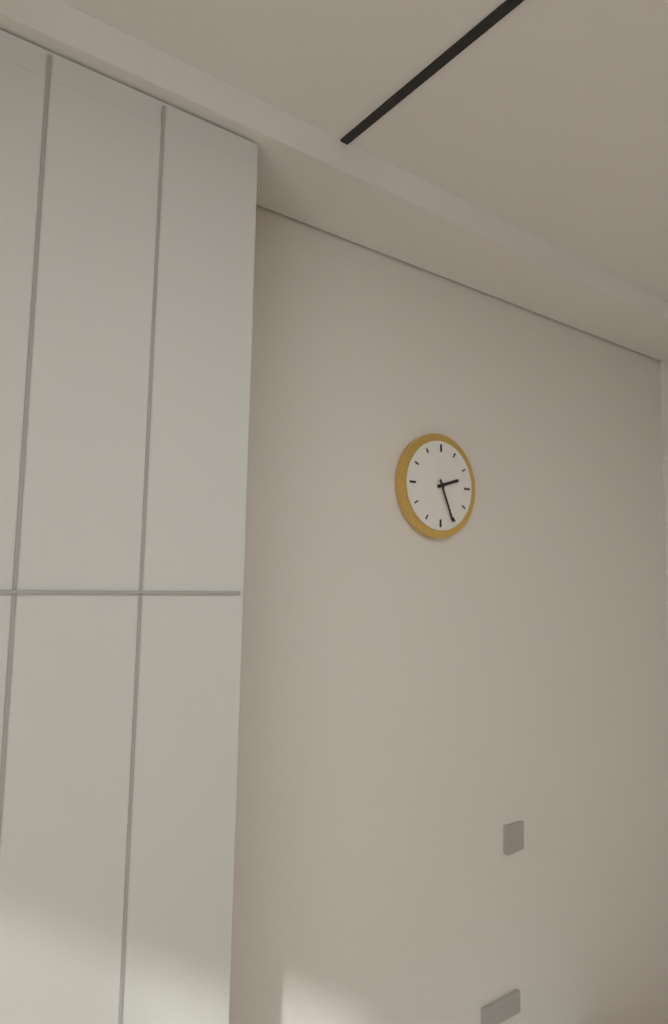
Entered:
2:26
